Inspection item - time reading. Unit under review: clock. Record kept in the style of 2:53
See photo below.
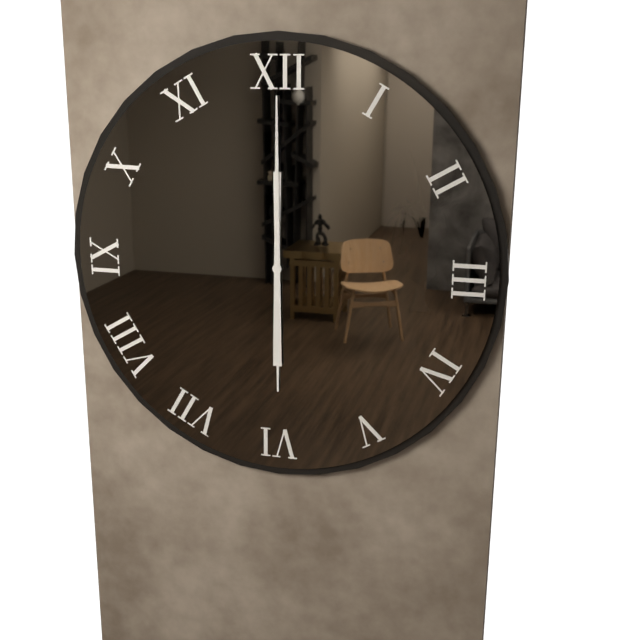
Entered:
6:00
